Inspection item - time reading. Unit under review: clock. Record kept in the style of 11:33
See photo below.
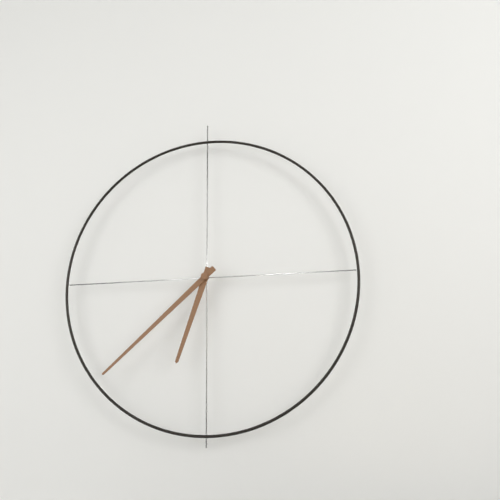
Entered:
6:38
